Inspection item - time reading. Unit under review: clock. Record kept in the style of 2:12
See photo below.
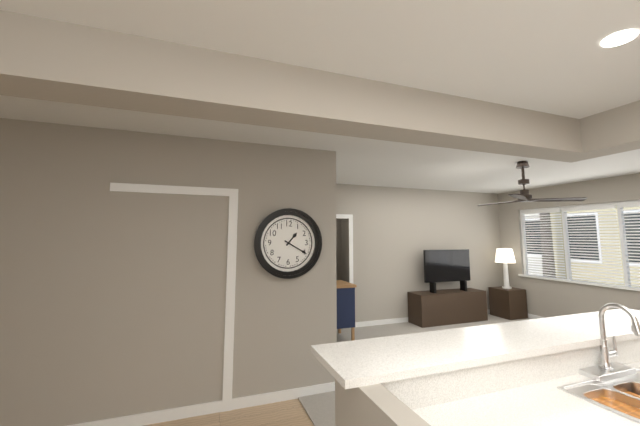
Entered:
1:20
